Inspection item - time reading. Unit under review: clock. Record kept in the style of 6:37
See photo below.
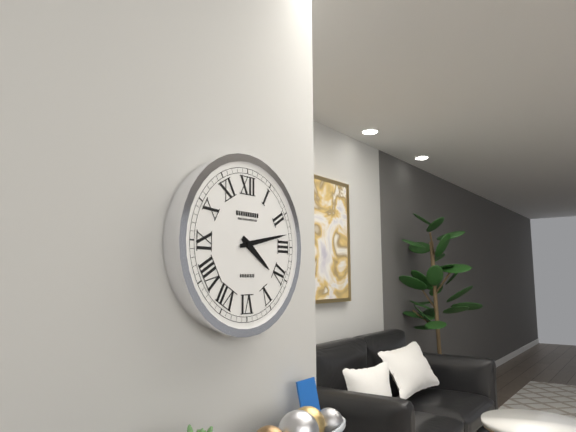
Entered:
4:13
